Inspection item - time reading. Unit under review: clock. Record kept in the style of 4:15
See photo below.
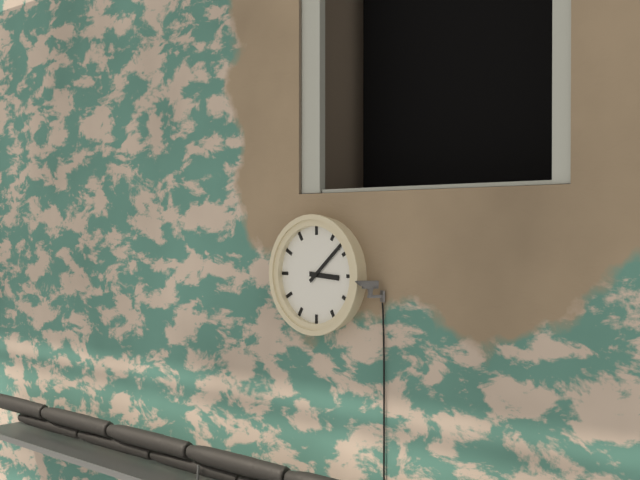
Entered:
3:08
